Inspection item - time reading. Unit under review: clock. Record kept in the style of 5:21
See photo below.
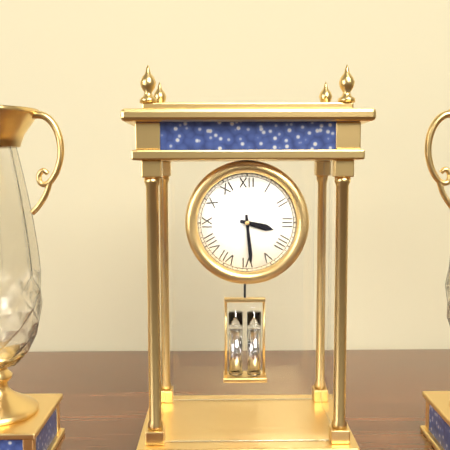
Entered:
3:29
